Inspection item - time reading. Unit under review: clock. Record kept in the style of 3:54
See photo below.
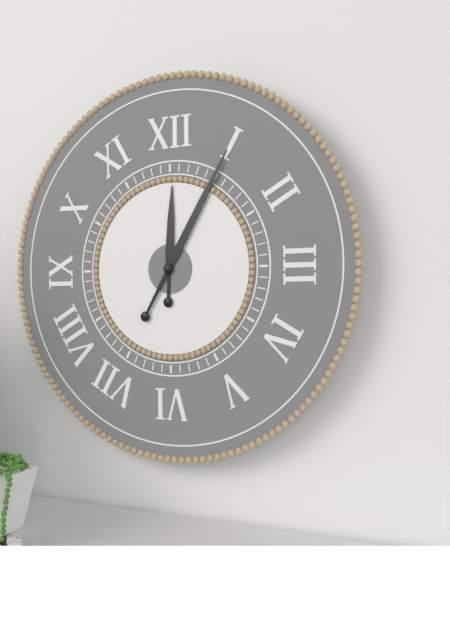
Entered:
12:05
